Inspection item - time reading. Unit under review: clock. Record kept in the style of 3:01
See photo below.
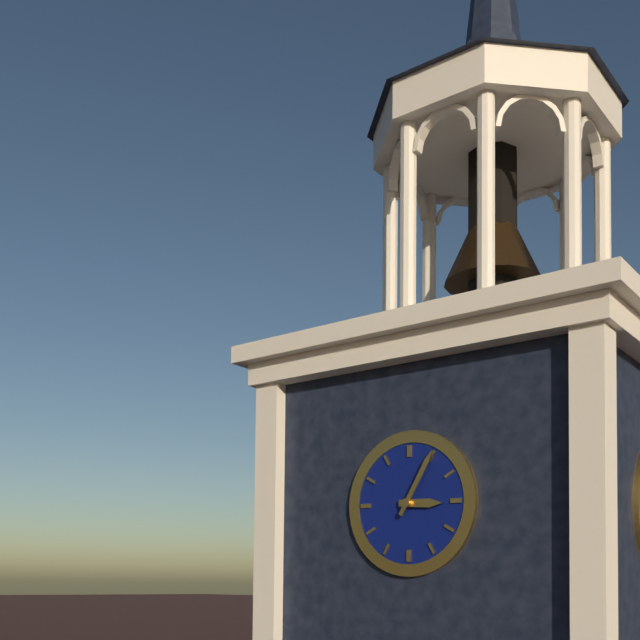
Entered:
3:05
